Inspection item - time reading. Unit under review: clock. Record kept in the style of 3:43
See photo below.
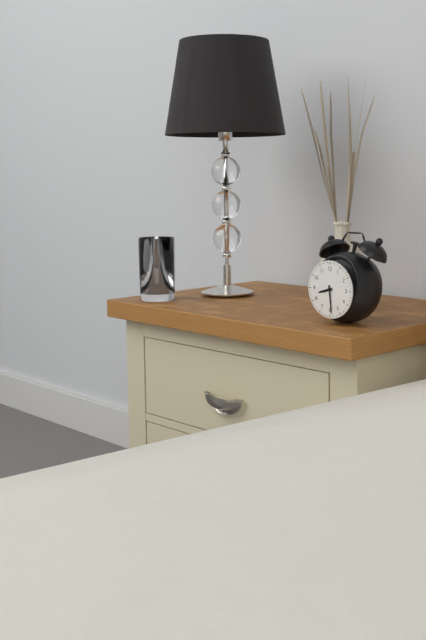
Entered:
8:29
